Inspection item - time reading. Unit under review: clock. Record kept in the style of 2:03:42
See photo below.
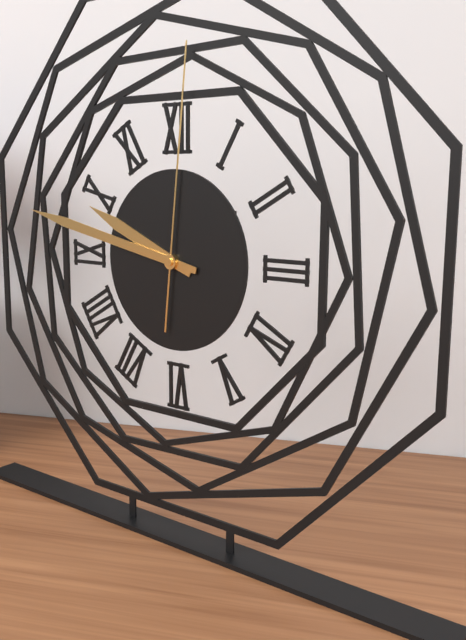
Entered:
9:47:01
